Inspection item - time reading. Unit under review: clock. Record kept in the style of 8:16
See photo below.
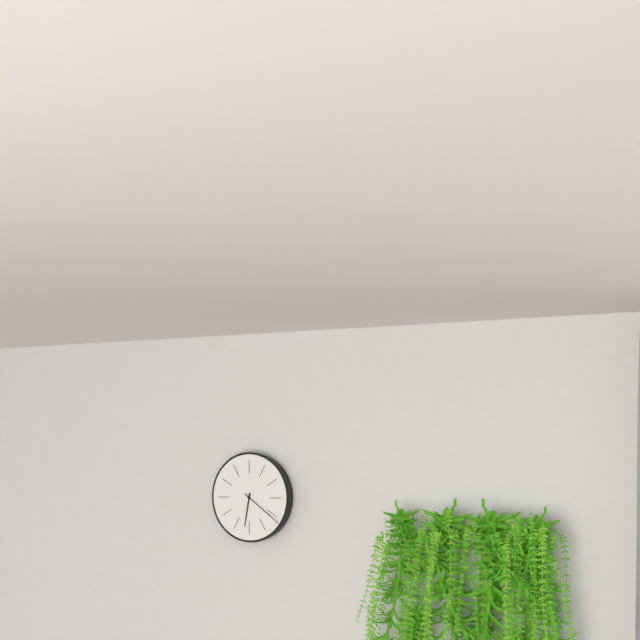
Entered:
6:21
